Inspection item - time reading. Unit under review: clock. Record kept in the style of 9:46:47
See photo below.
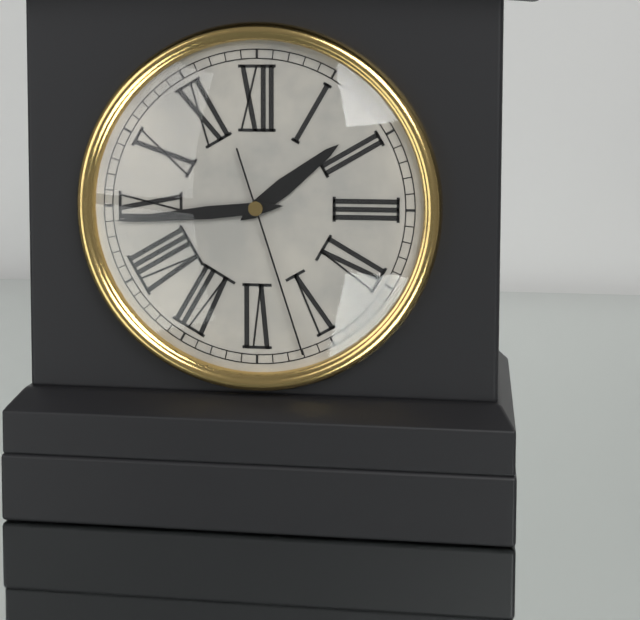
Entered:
1:44:27
